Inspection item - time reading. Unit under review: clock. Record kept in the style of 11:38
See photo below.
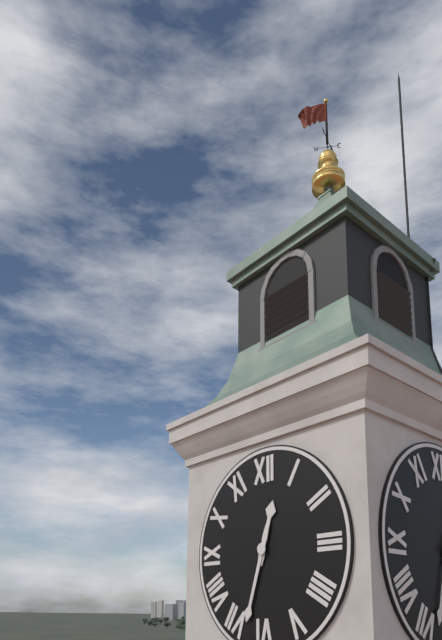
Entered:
12:33
